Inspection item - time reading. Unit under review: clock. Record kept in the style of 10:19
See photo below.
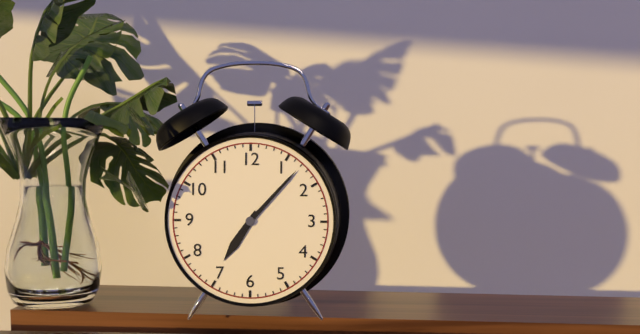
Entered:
7:07
